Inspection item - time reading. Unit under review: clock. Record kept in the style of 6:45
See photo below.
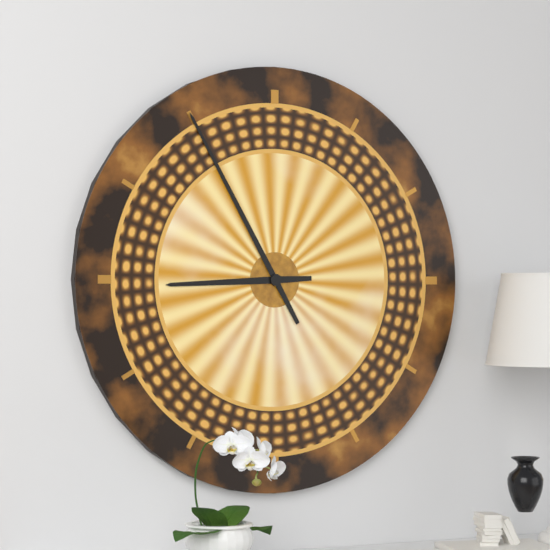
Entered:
8:55
